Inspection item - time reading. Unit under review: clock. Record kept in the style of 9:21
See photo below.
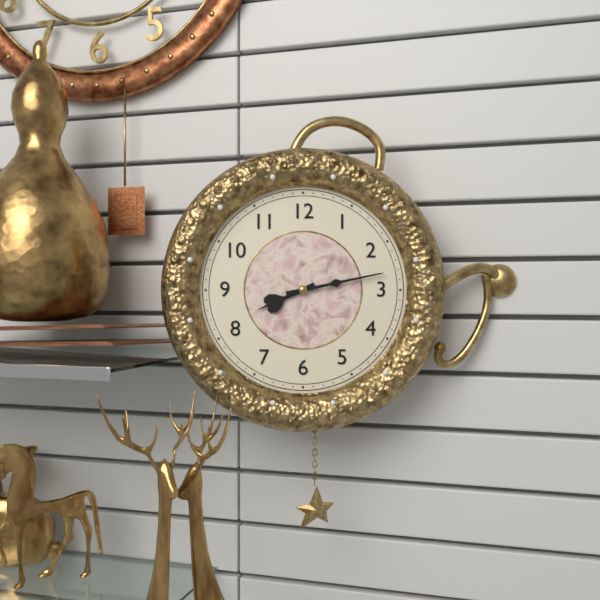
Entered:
8:13
